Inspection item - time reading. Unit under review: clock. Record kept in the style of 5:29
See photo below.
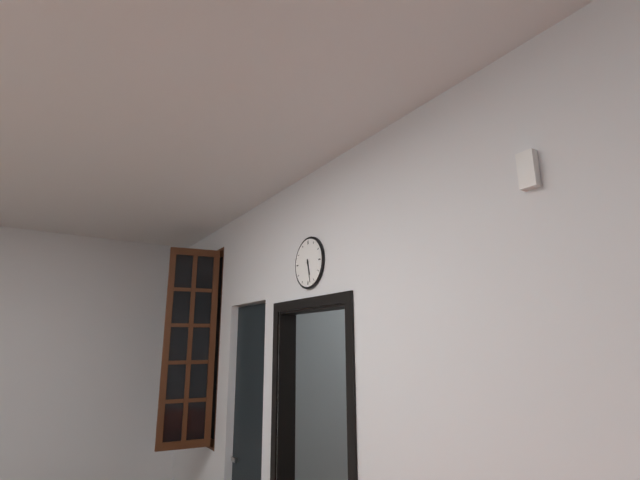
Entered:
5:28
